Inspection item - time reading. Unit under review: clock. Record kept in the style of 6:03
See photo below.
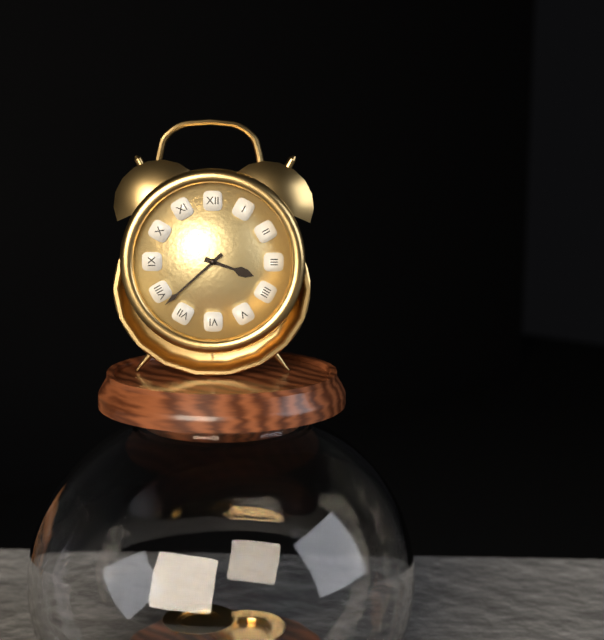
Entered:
3:38
